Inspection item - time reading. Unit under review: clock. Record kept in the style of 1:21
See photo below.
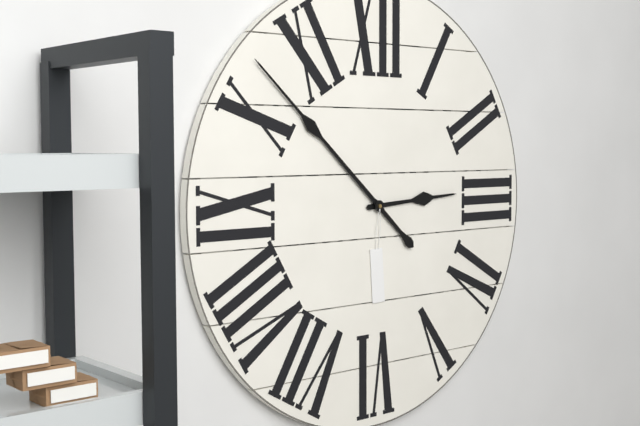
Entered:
2:52
